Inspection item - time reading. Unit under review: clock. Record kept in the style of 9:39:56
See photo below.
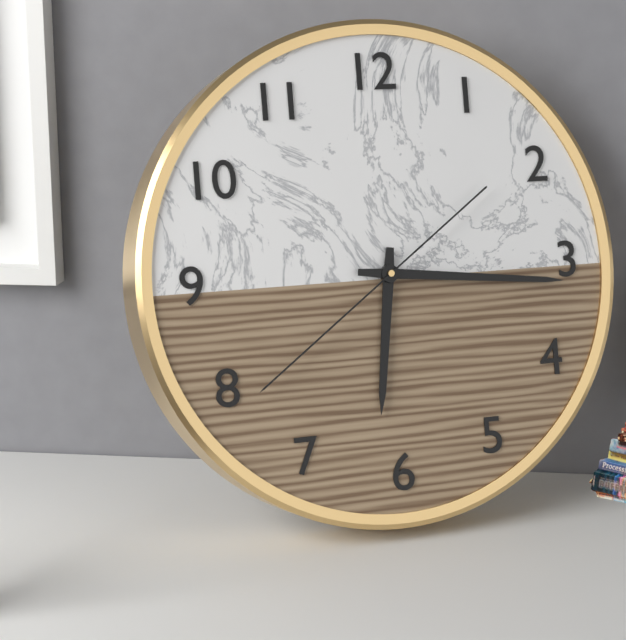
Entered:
6:16:39
